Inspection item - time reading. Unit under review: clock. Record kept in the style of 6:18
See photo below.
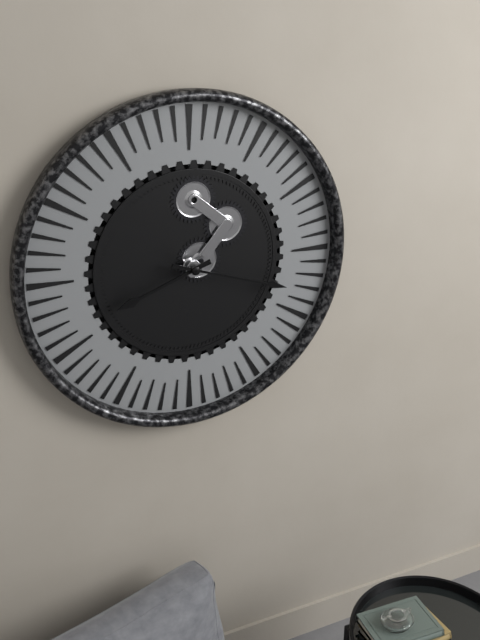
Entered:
8:18
